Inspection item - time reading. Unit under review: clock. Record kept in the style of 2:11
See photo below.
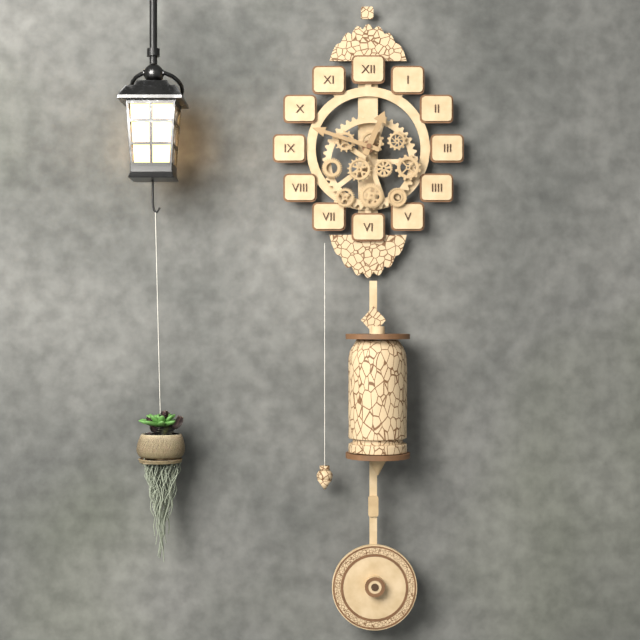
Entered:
12:48
